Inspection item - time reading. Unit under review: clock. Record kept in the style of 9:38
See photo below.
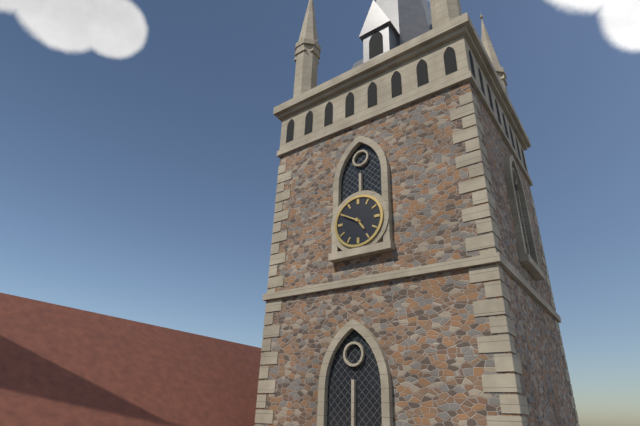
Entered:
4:50
